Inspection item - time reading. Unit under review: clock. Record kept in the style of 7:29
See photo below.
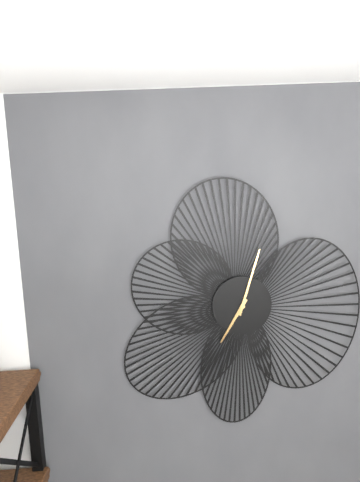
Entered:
7:03
